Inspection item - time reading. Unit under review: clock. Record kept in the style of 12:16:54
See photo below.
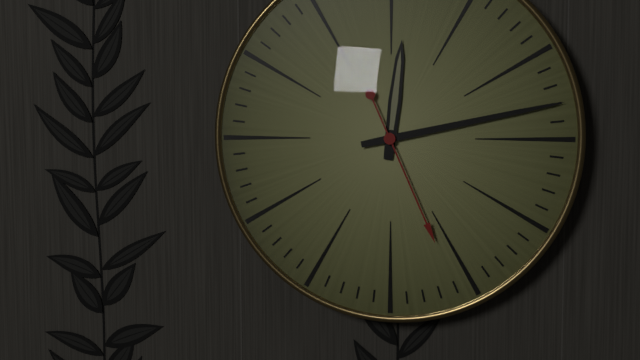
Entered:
12:13:26
